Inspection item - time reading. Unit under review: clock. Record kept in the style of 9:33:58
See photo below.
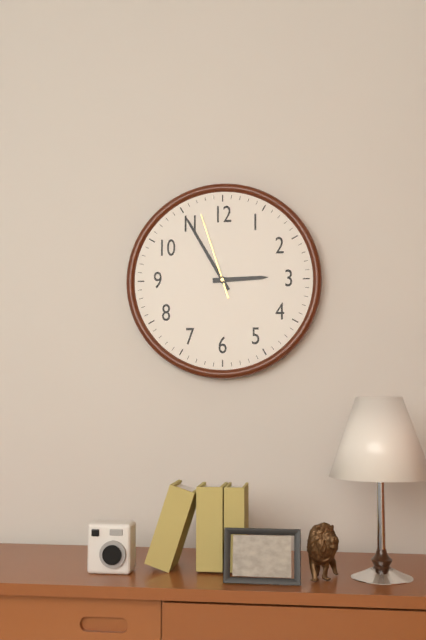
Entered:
2:55:57
